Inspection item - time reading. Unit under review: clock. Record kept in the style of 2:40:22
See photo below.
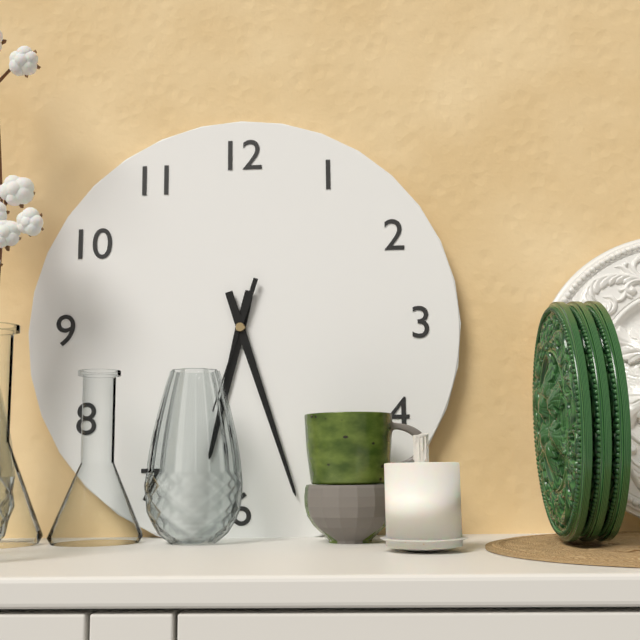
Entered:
6:27:33
